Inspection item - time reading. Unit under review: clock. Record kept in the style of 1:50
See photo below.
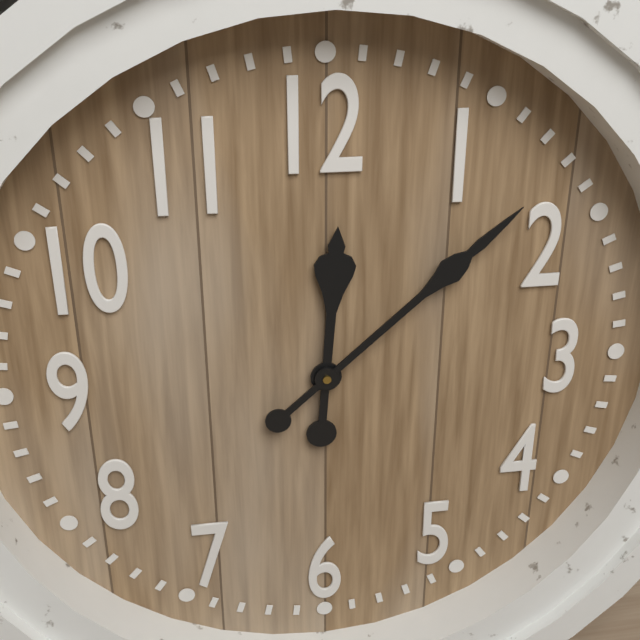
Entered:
12:08
